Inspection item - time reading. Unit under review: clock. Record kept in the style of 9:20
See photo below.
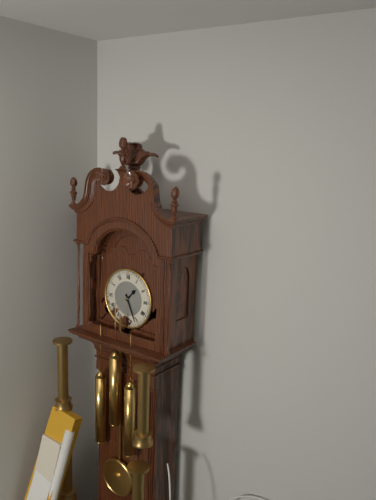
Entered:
1:26
